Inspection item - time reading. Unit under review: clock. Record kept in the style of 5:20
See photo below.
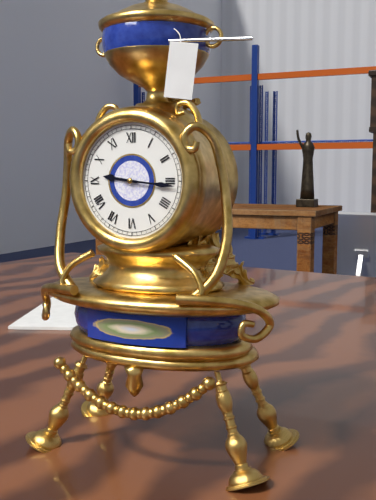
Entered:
9:16
